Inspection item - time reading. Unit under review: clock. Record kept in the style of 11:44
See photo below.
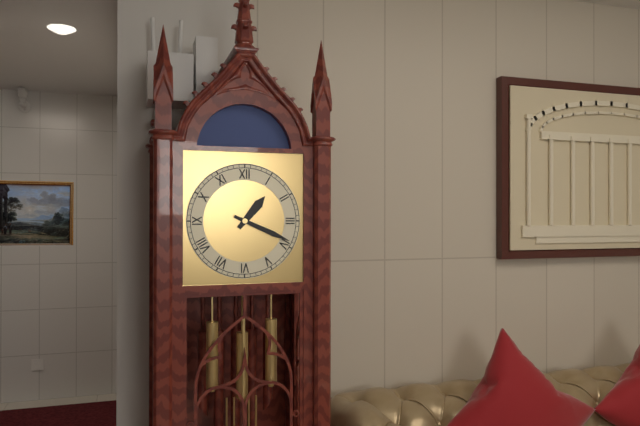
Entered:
1:19
